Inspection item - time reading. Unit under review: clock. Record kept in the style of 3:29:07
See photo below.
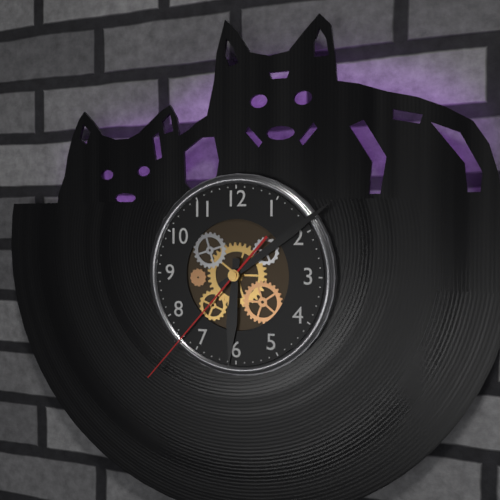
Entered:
6:09:37
